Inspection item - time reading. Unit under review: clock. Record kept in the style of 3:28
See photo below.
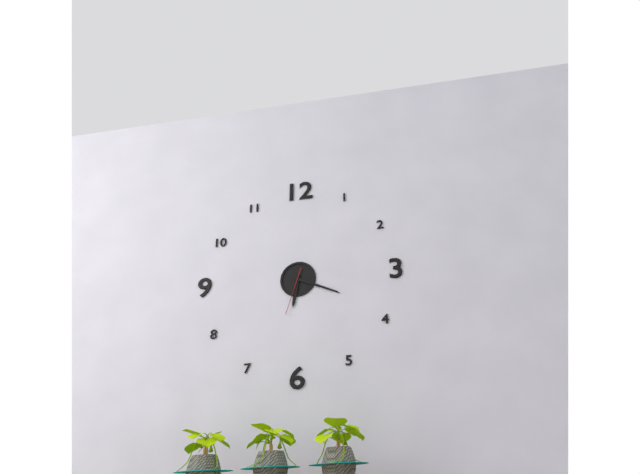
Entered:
6:19
